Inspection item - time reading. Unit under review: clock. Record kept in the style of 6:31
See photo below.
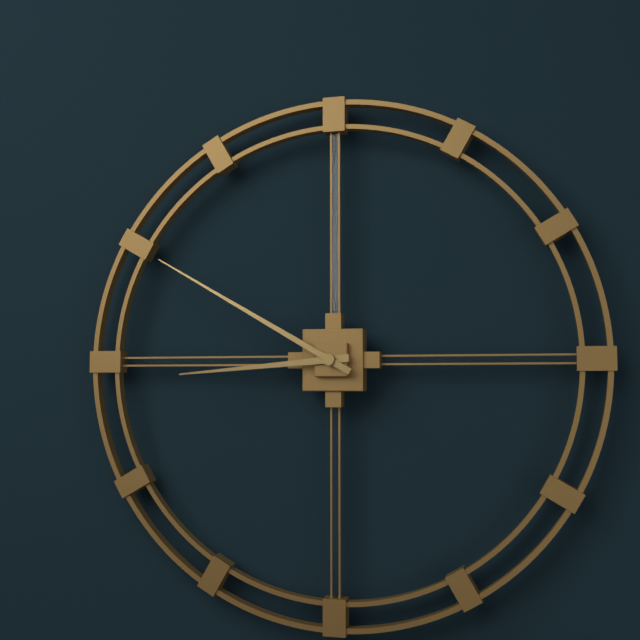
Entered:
8:50
